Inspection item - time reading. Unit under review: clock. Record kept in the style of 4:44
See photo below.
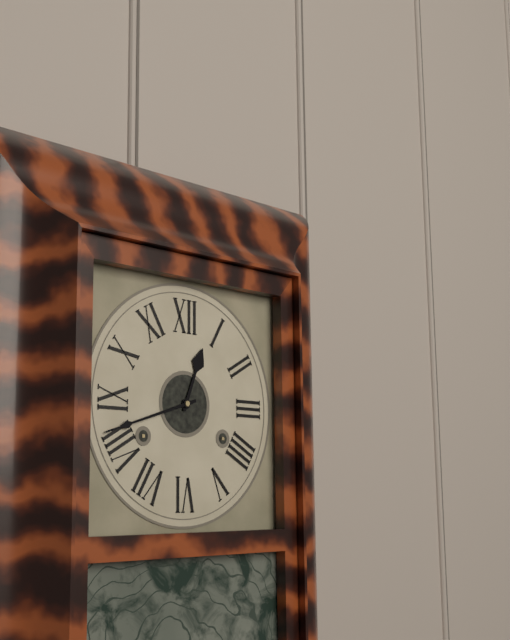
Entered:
12:42
